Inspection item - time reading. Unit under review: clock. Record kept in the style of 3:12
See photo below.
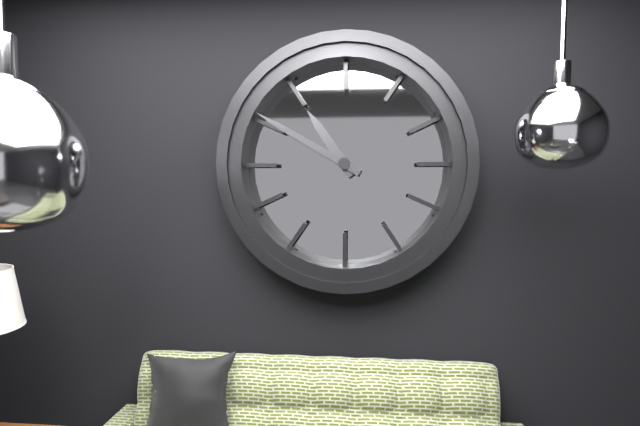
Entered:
10:50
